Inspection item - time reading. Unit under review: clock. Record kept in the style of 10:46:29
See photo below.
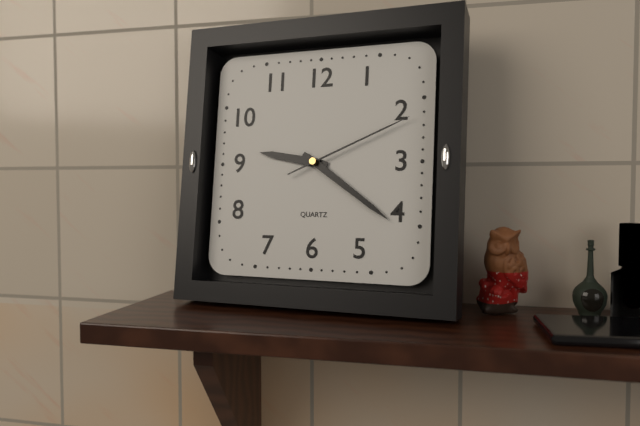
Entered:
9:21:11
